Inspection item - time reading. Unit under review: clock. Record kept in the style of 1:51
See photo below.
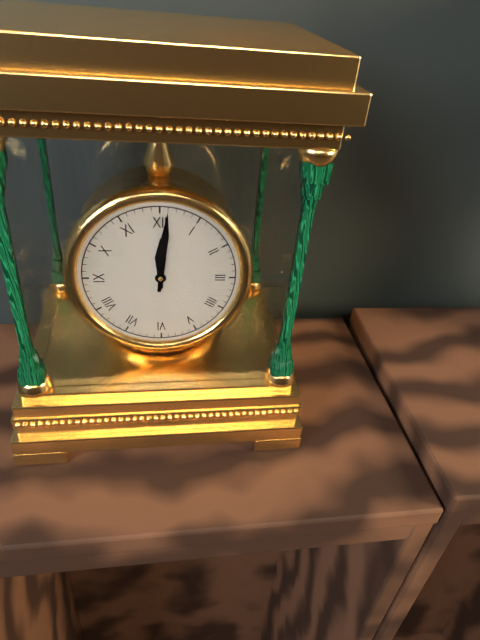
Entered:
12:01
